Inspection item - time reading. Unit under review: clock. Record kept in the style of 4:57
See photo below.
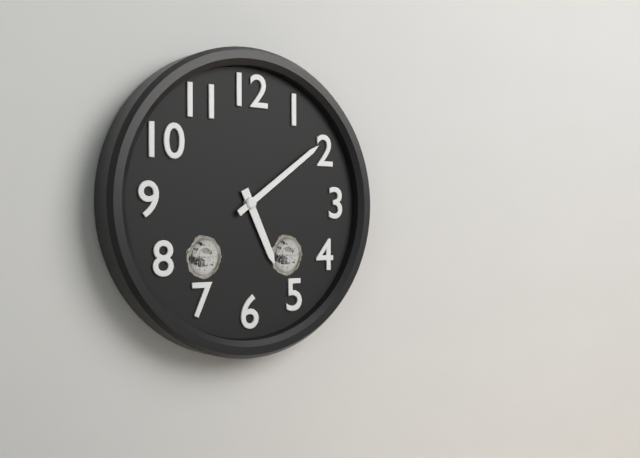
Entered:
5:09
